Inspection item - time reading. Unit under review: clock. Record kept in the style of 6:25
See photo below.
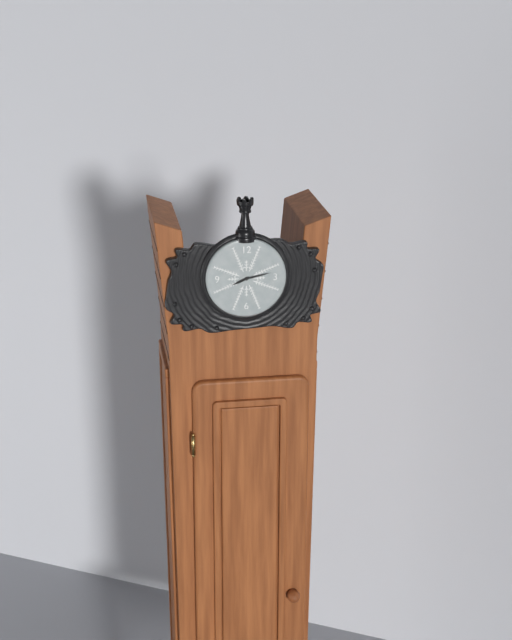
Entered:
8:13
